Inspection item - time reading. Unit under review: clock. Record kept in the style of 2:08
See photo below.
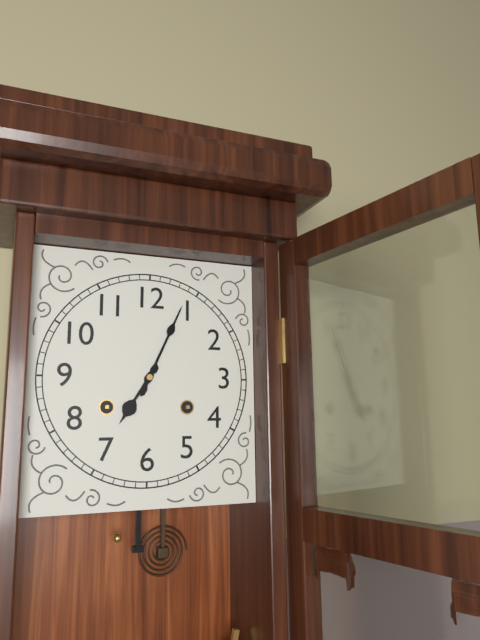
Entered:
7:04
